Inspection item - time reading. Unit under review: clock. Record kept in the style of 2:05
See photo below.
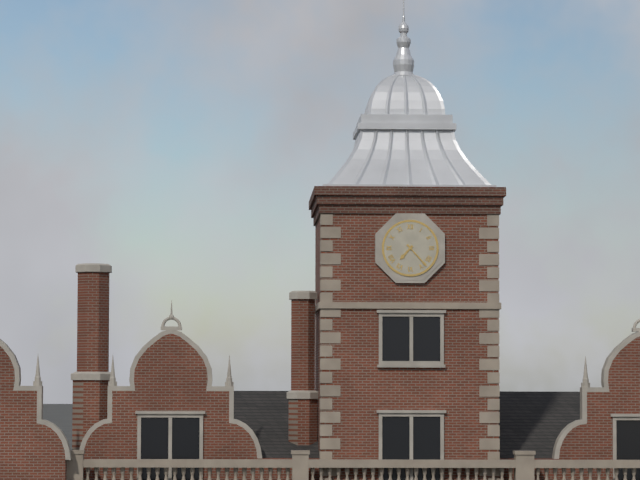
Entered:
7:23
